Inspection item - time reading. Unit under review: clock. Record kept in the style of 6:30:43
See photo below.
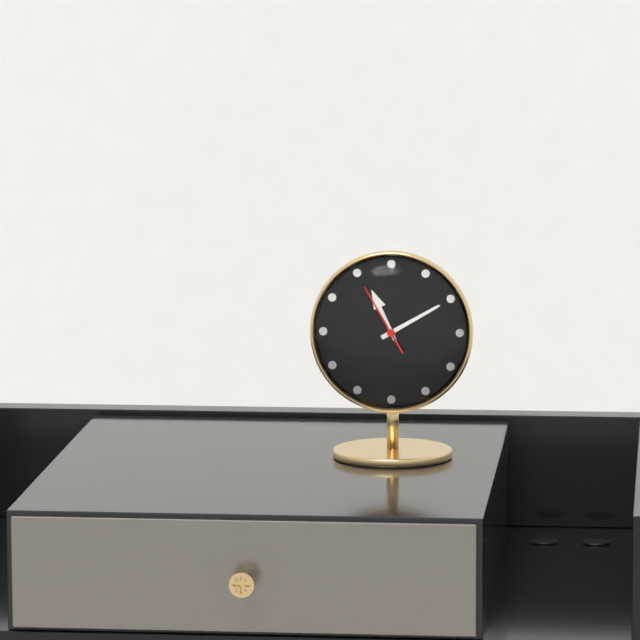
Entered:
11:10:55
